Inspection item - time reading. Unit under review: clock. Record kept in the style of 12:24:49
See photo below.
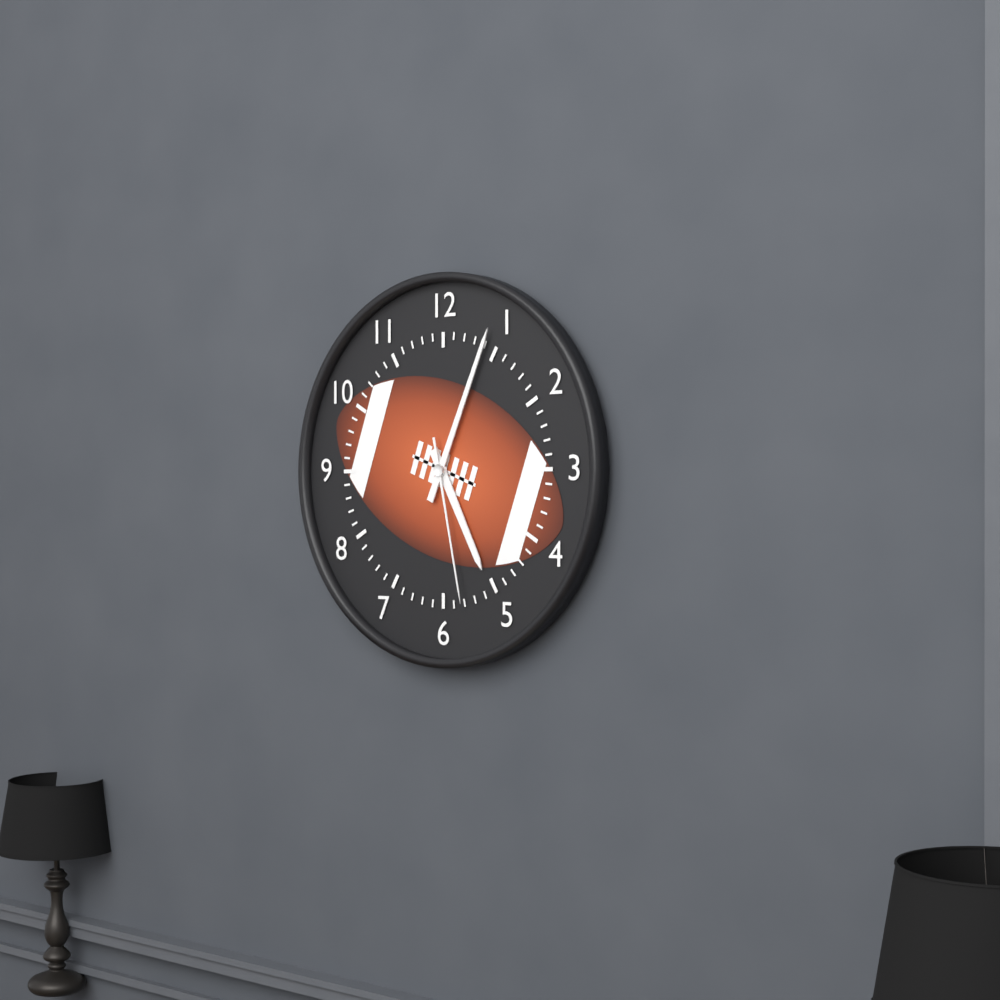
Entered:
5:04:28
